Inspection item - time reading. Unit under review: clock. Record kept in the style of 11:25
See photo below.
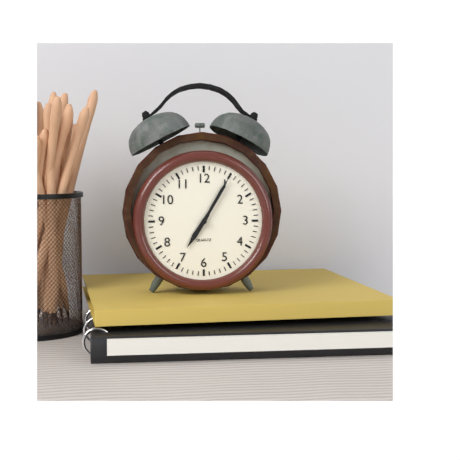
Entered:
7:05
